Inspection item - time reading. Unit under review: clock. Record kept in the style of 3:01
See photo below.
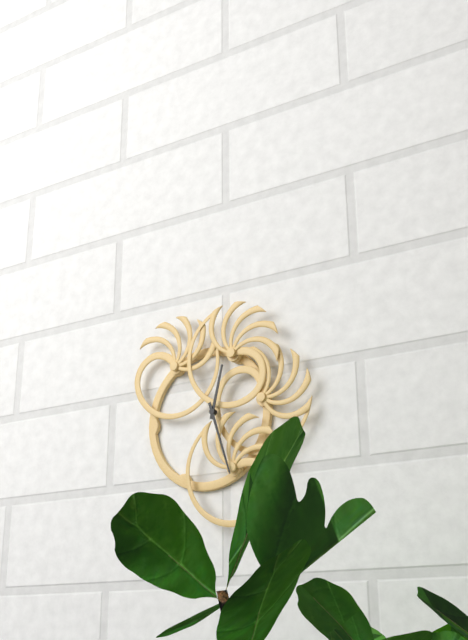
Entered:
12:27
